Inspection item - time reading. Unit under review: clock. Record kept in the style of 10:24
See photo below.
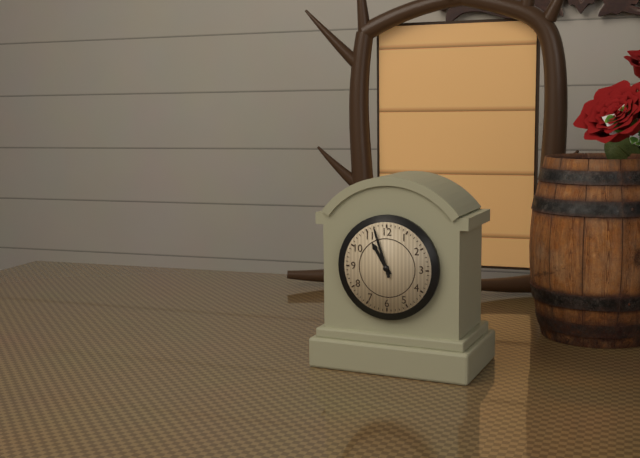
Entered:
10:57
